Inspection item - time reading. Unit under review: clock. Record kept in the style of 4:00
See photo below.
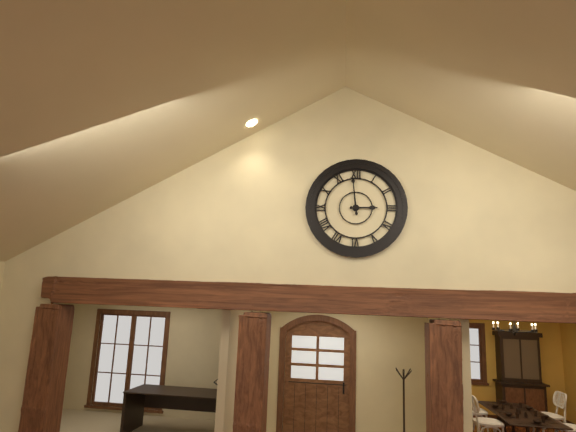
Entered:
2:59
